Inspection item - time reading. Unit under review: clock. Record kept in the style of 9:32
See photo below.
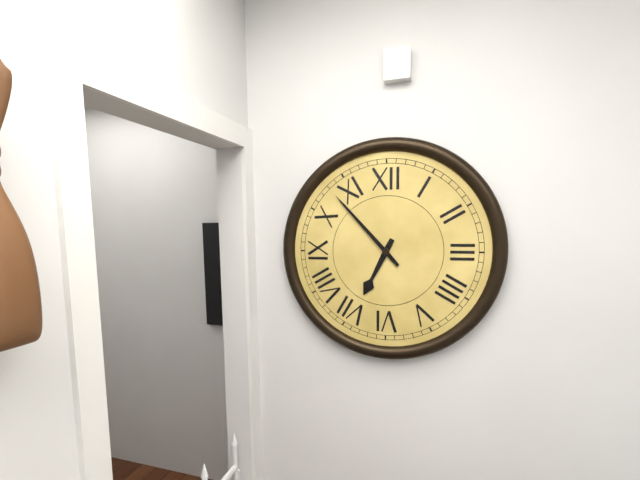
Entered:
6:53
